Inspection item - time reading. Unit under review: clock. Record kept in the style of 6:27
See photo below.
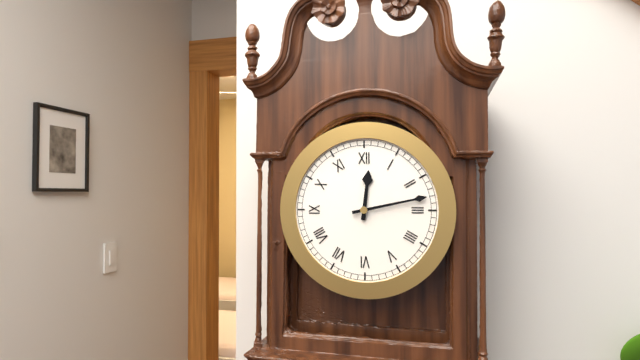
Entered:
12:13
